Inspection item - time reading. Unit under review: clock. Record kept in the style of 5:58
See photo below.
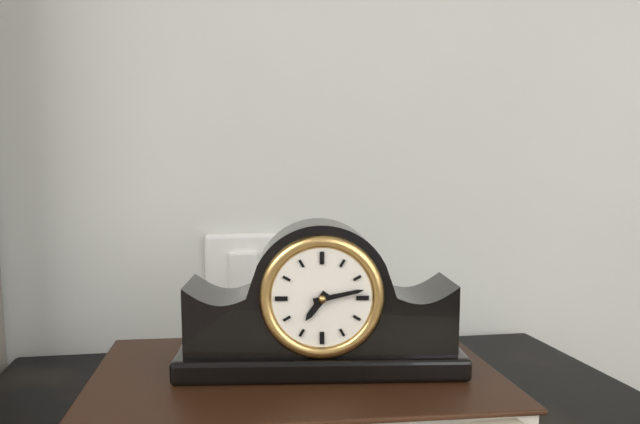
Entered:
7:13
